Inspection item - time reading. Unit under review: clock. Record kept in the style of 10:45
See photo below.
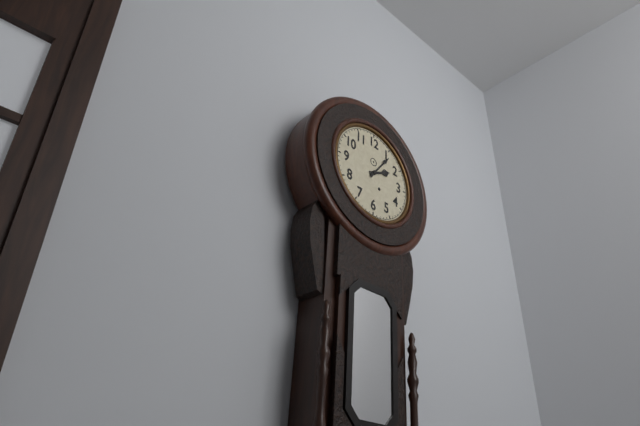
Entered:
2:06
